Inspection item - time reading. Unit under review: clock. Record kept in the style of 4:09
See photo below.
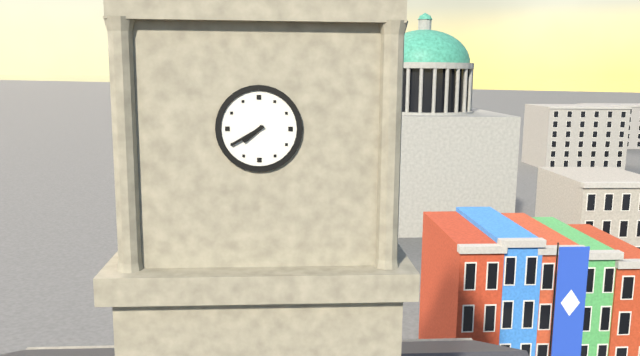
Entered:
7:40
